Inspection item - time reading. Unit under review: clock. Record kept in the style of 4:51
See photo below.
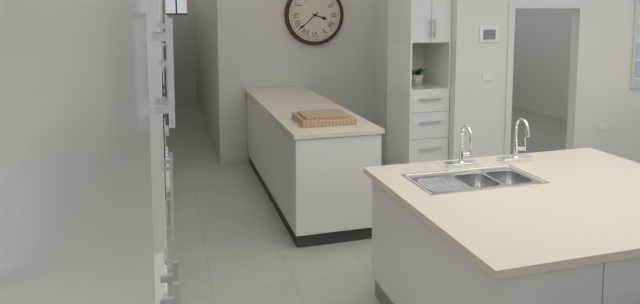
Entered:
3:38
